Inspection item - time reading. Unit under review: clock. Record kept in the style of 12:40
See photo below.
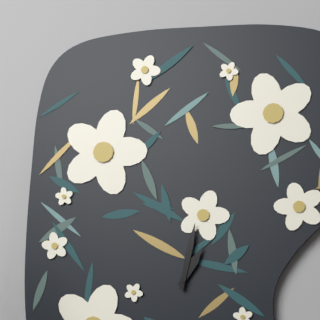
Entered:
1:02
